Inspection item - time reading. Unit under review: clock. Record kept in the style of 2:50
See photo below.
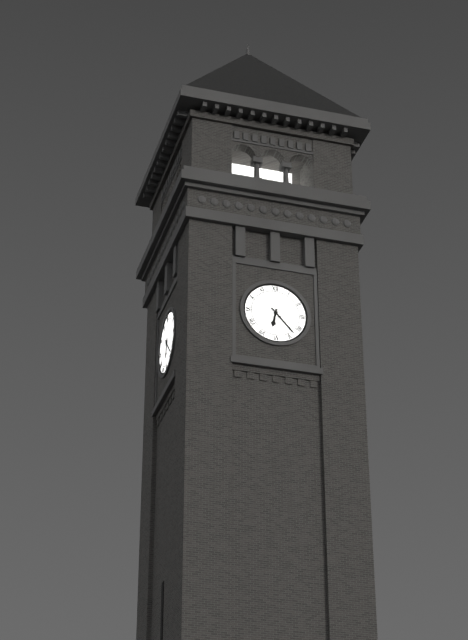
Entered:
6:23
